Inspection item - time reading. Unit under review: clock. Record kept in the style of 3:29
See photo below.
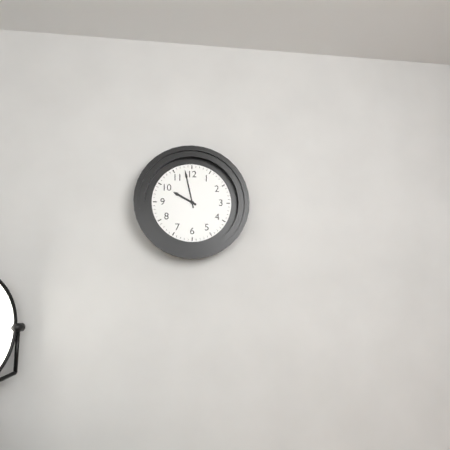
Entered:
9:58
